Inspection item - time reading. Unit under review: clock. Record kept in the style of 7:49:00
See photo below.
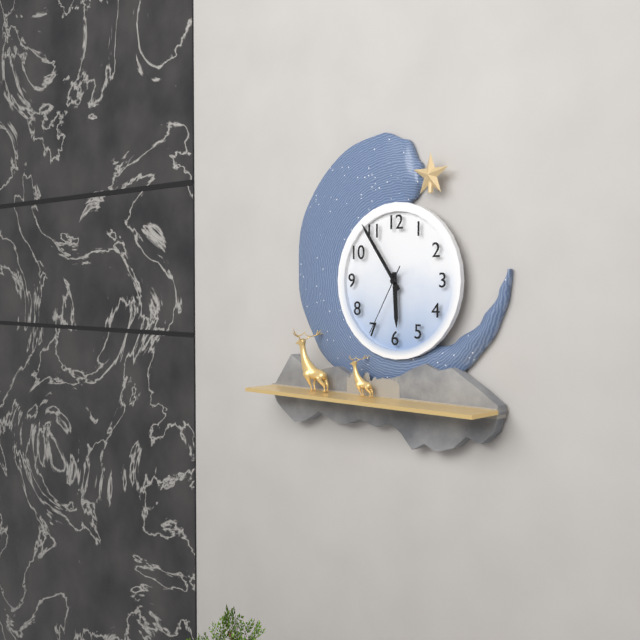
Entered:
5:54:35
